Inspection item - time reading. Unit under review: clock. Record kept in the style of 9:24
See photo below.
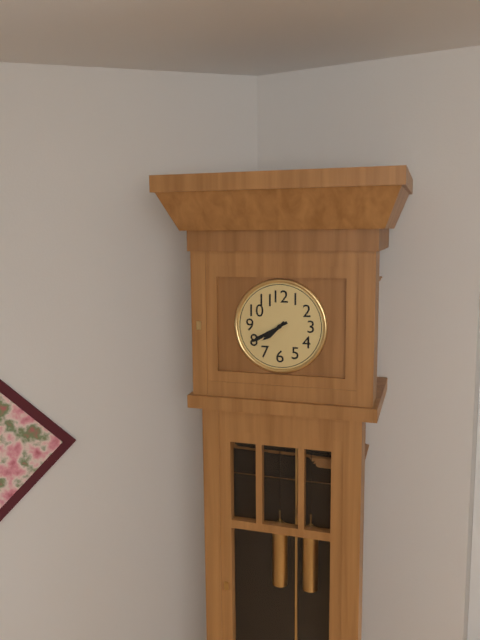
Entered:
7:40
